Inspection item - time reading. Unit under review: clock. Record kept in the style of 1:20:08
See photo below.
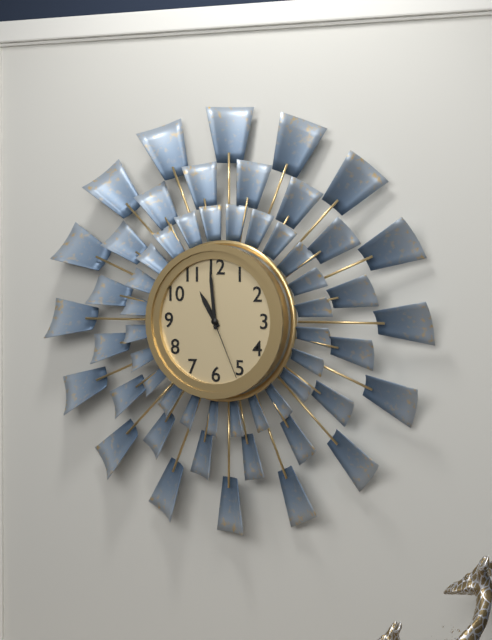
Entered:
10:59:26
